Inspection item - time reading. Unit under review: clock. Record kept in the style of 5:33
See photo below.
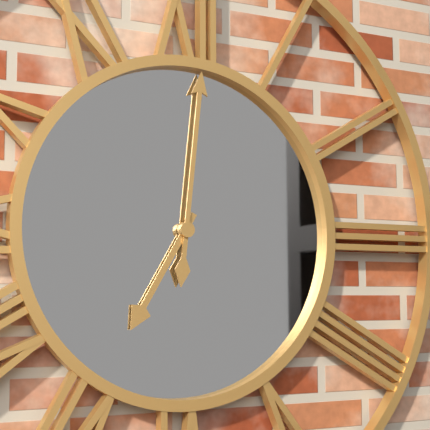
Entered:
7:01
